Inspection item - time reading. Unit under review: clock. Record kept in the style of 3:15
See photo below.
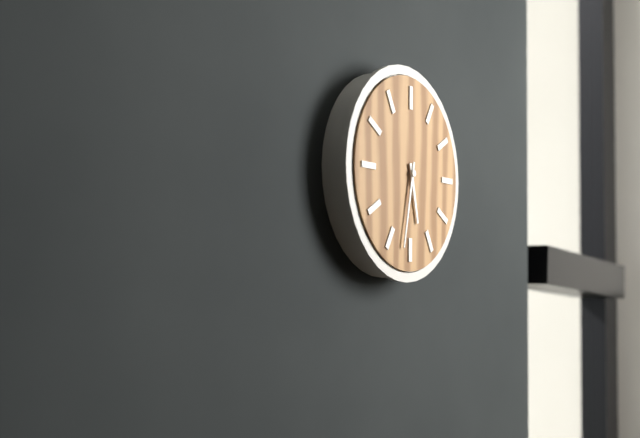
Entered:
5:32
